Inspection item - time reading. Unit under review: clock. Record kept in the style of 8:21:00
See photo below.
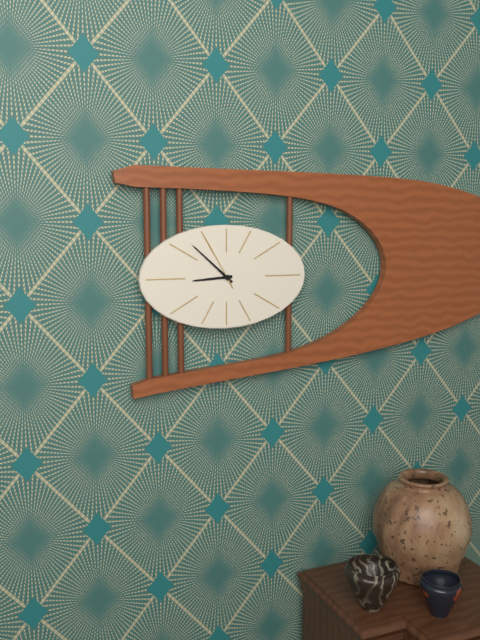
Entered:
8:52:55
